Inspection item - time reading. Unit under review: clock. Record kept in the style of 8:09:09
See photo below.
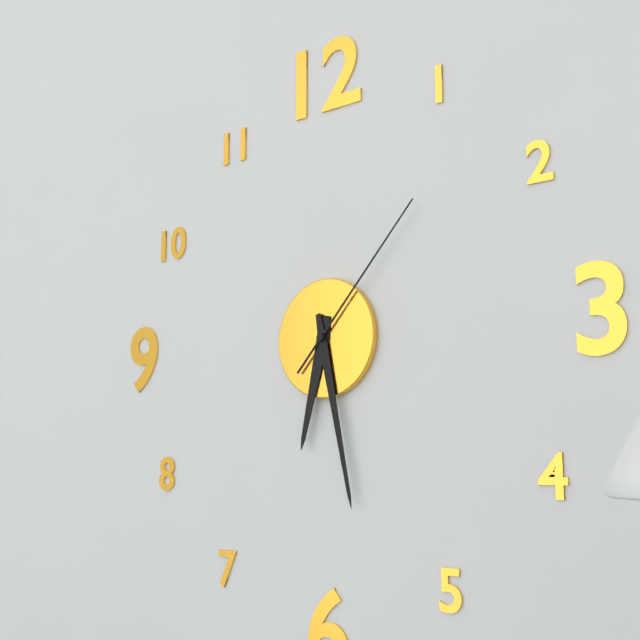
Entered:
6:28:07
